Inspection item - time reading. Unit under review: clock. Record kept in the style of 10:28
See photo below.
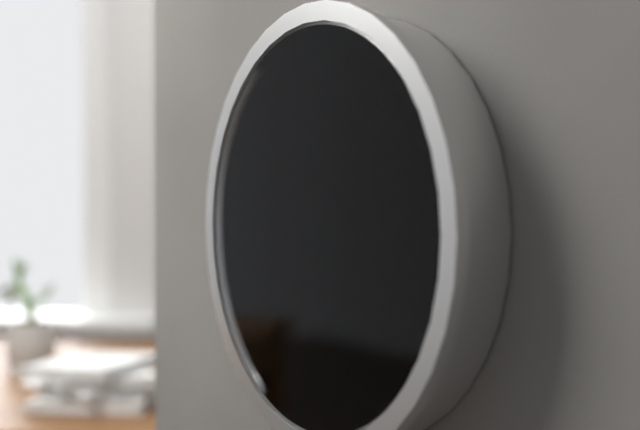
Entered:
12:20
